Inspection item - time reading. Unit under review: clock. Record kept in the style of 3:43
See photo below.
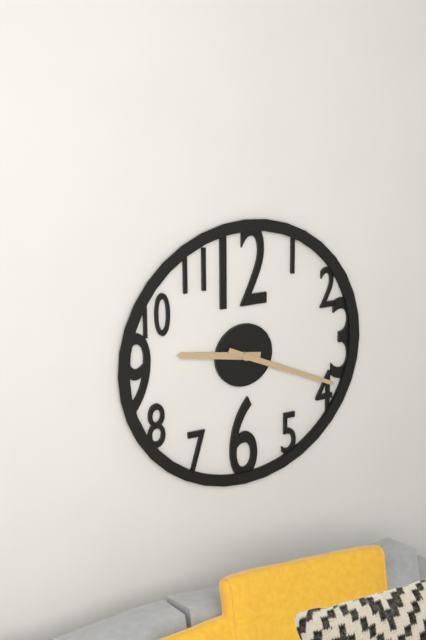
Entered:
9:19
